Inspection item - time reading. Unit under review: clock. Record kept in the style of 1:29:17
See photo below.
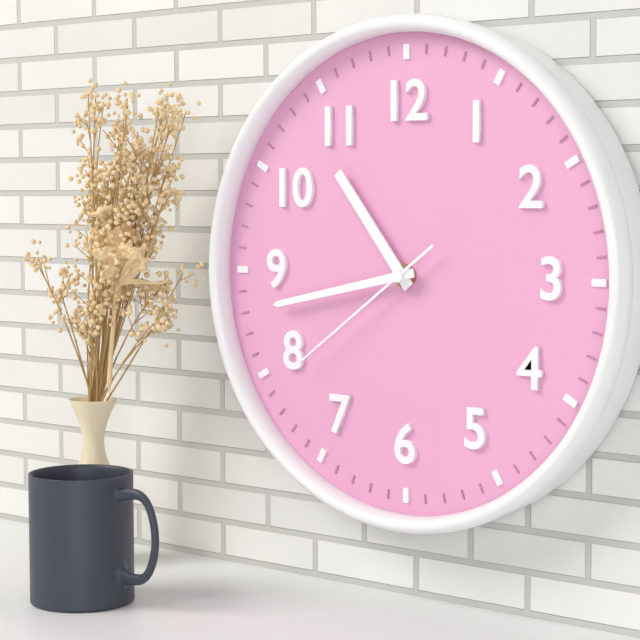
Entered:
10:43:39
